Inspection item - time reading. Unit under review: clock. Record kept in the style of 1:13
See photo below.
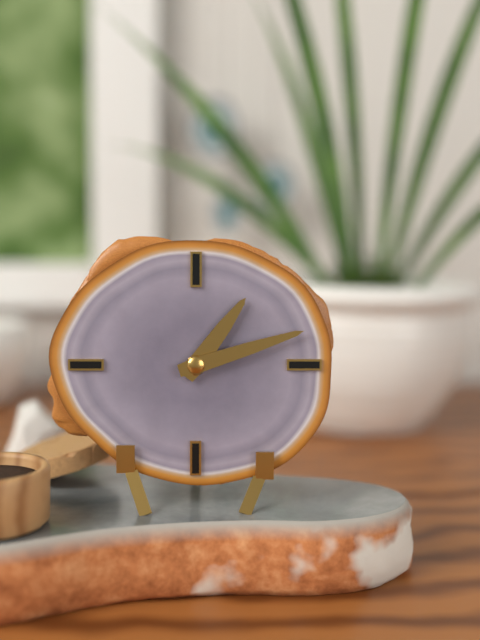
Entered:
1:12
